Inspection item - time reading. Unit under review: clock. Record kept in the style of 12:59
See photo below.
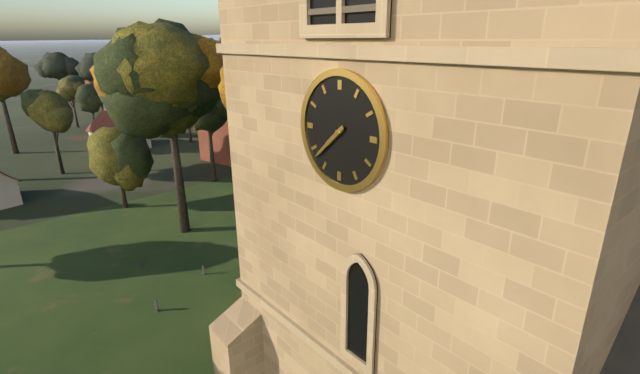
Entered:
7:38
